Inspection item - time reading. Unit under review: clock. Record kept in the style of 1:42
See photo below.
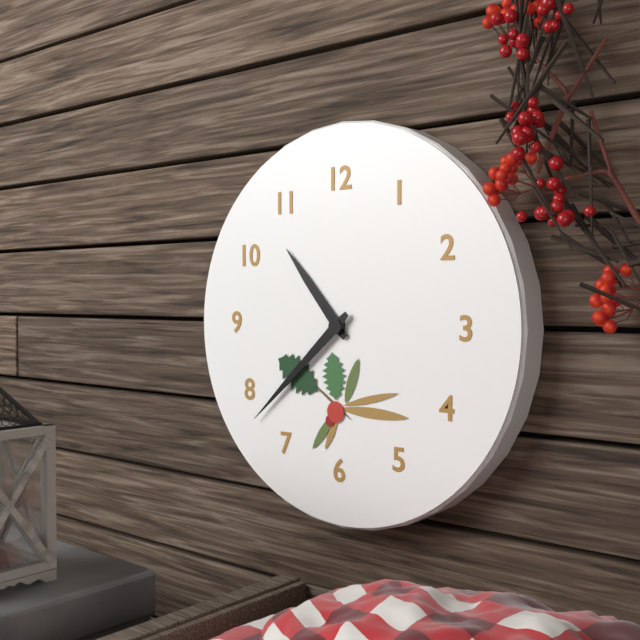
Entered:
10:38
